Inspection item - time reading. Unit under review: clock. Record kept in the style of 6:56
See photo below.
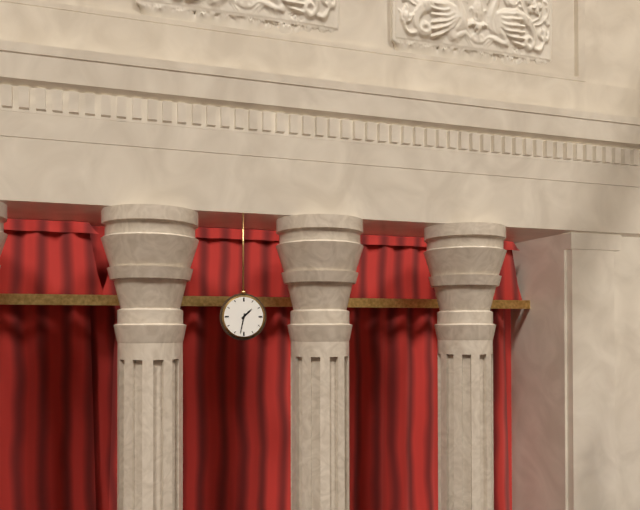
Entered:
1:32
